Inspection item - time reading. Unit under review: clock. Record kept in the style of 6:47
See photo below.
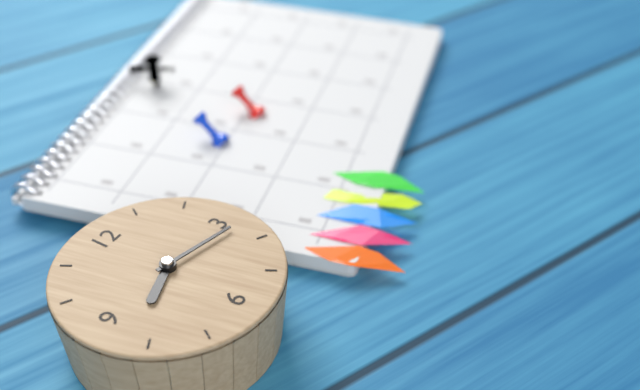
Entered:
8:17
